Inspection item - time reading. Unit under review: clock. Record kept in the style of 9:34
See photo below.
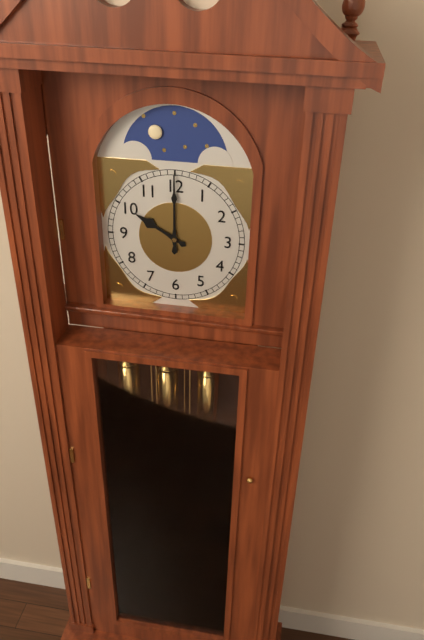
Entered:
10:00
